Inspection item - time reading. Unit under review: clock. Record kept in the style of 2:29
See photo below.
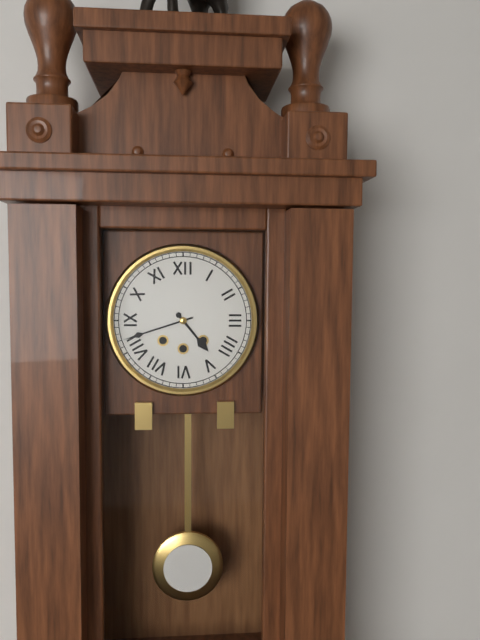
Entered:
4:42
